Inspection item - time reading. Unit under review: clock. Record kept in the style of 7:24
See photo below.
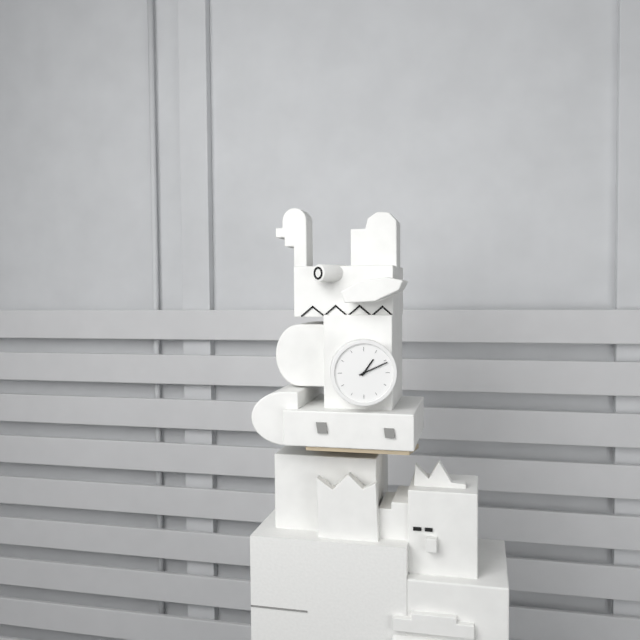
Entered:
1:11
